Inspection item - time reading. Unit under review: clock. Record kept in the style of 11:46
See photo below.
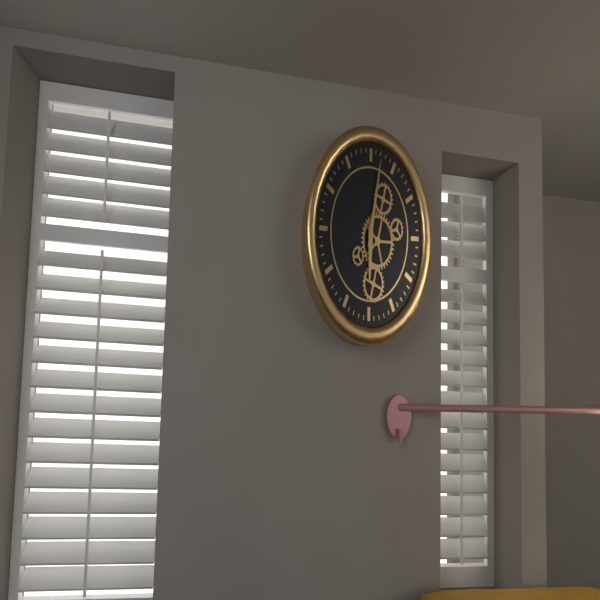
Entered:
6:02
